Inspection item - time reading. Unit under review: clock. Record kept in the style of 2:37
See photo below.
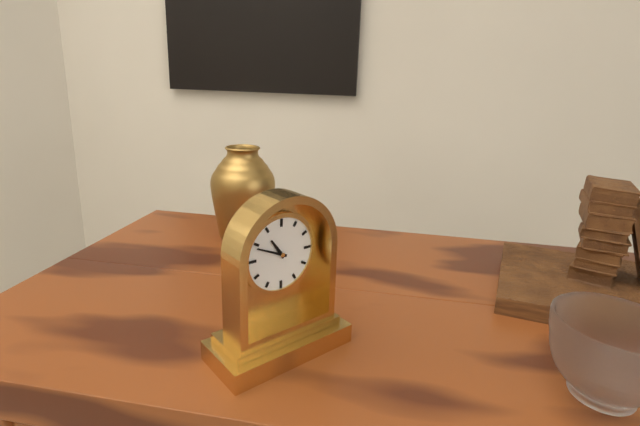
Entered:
10:49
